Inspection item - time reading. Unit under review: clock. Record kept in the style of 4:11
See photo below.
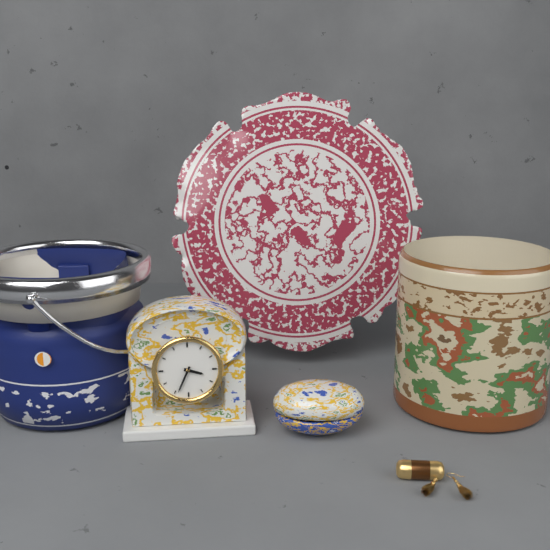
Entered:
3:34
